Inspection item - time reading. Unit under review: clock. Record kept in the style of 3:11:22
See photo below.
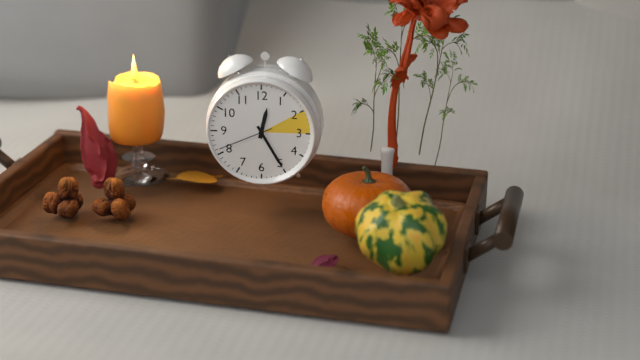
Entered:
12:25:41
